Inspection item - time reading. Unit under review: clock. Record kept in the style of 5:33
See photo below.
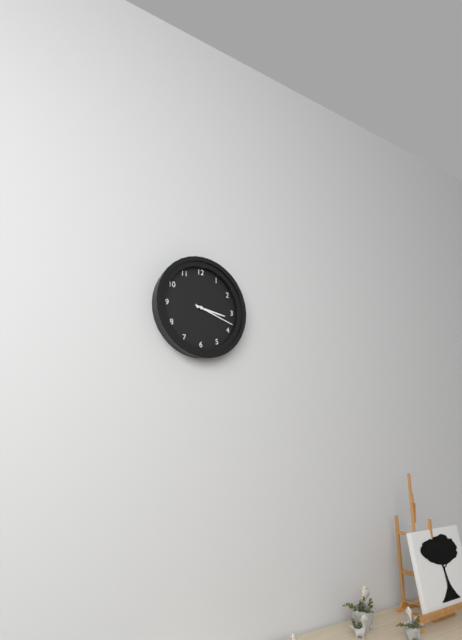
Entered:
3:18
